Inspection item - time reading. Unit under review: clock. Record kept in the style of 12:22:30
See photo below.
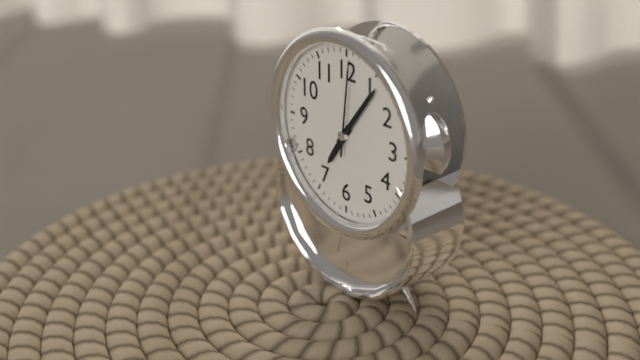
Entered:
7:06:01
